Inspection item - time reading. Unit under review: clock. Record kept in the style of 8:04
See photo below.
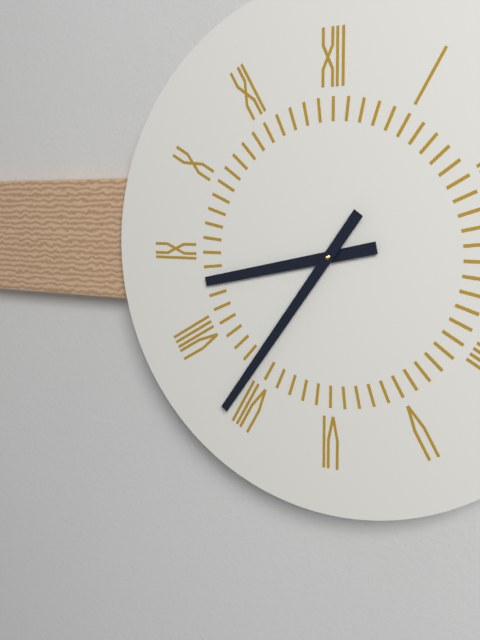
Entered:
8:36
